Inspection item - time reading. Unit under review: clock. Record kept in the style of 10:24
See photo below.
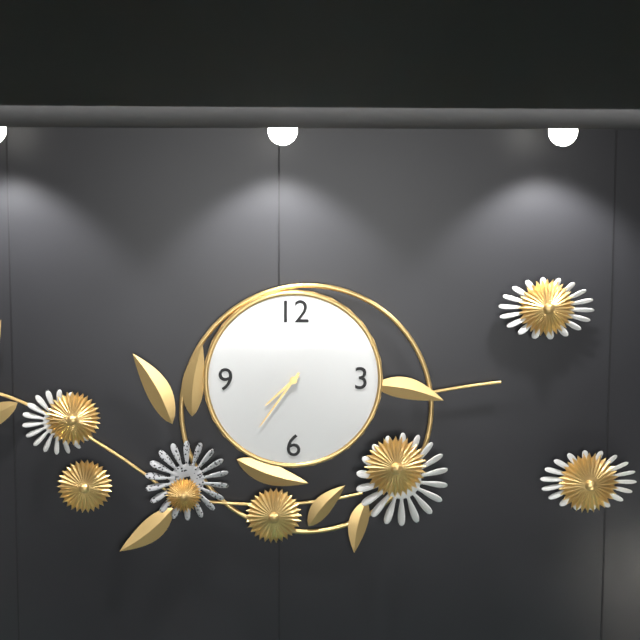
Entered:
7:36
